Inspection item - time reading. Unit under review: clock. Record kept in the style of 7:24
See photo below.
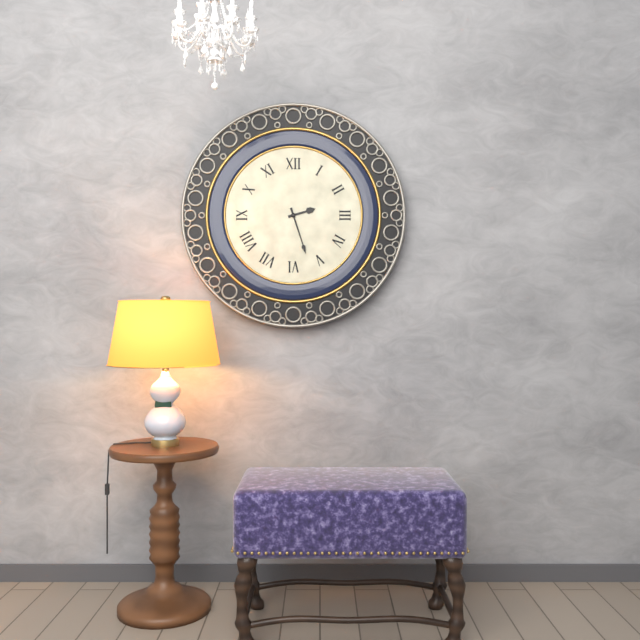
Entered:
2:27
